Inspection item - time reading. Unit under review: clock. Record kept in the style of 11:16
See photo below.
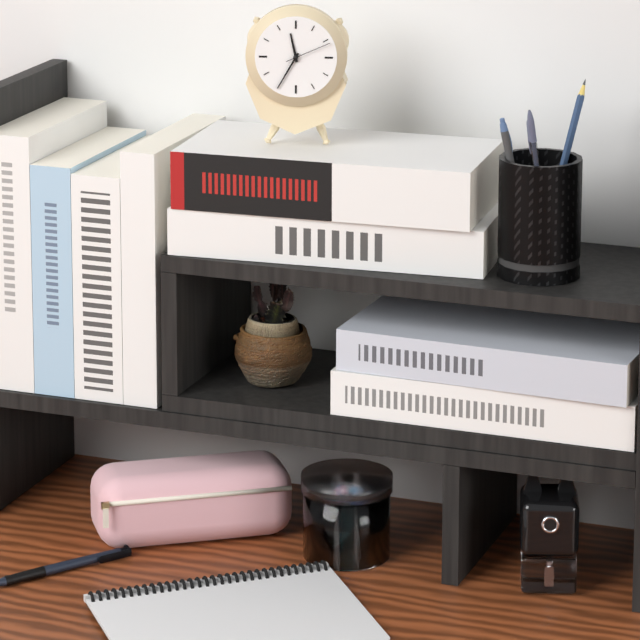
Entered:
11:35
